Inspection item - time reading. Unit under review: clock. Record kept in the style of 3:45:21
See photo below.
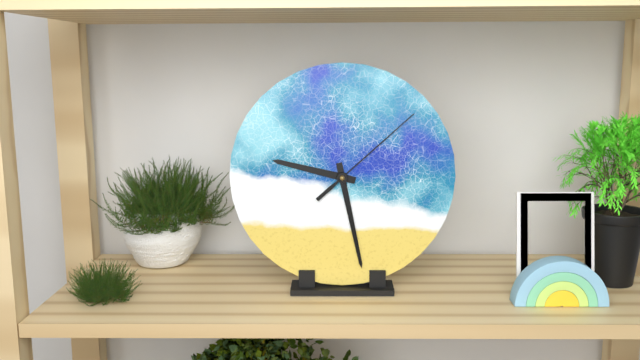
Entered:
9:28:08
